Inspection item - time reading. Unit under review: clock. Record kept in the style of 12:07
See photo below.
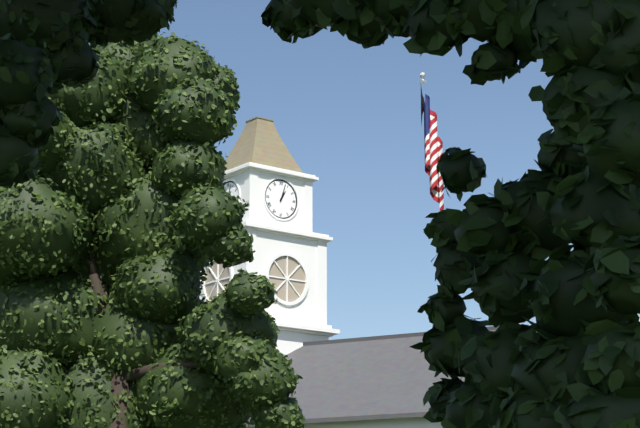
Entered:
1:03
